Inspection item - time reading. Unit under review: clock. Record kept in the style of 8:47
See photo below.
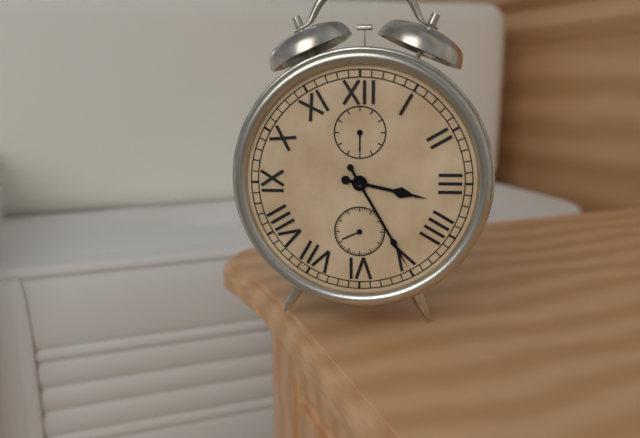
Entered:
3:25
